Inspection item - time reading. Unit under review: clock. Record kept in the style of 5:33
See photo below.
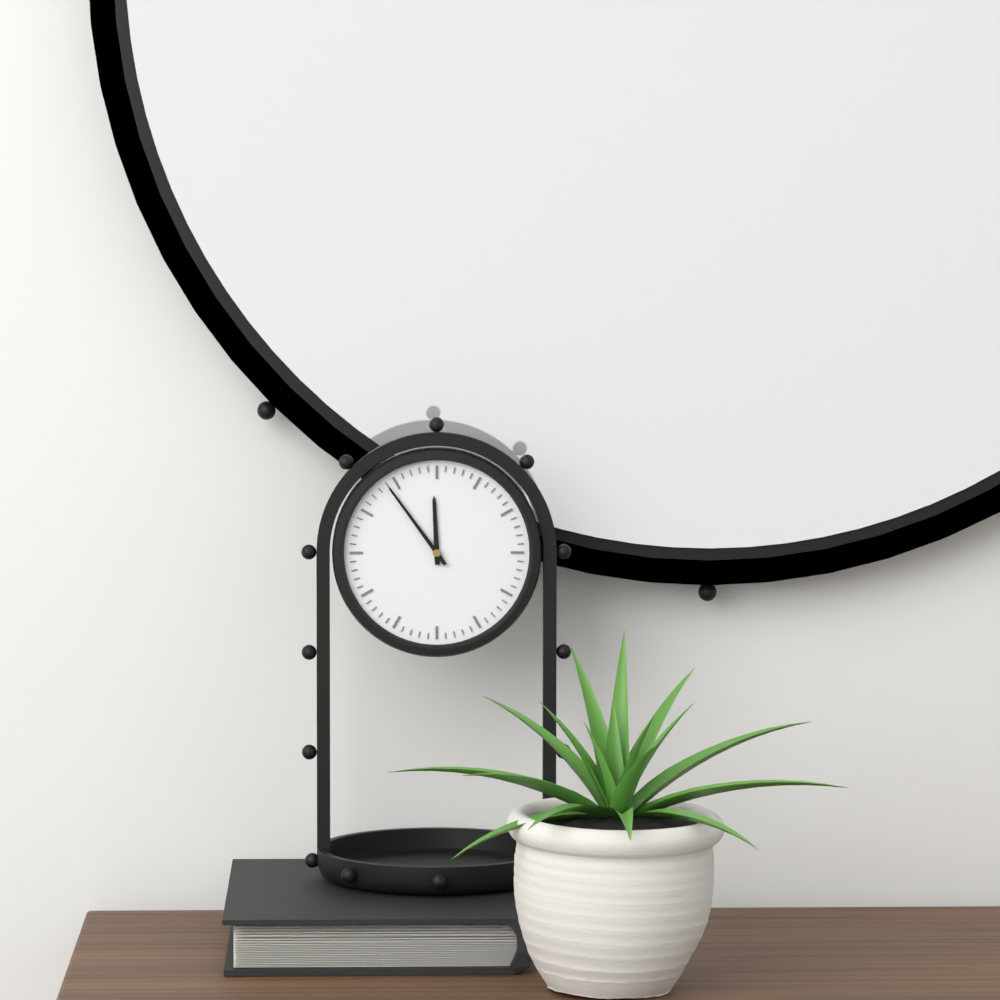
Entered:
11:54
